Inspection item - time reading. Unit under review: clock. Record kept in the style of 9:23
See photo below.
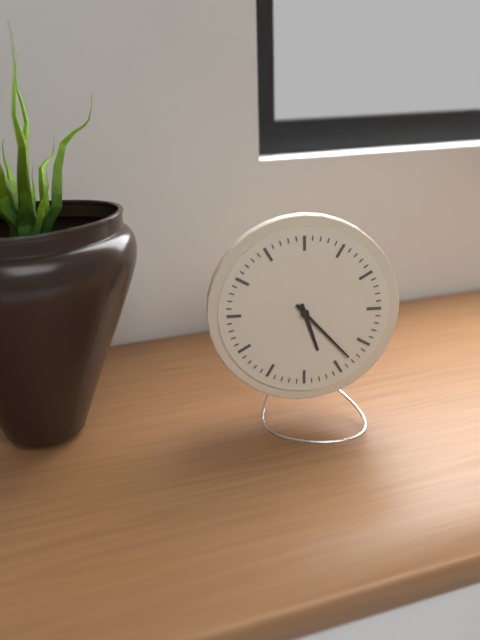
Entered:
5:23
